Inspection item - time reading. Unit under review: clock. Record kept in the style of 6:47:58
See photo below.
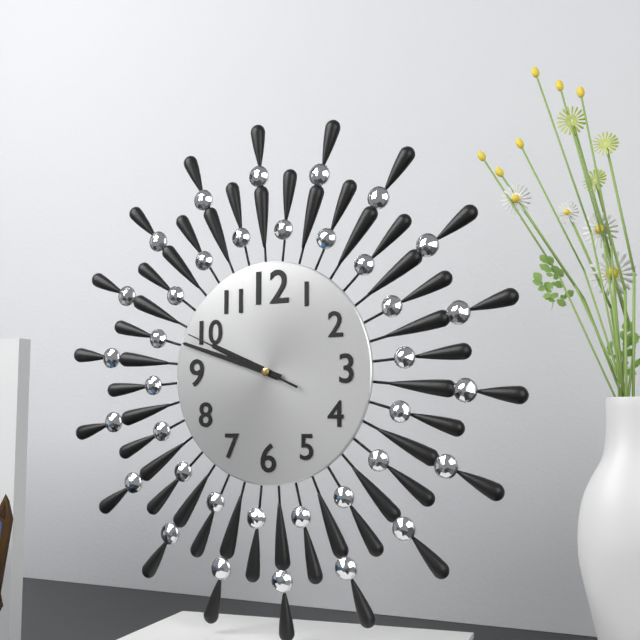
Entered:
9:48:49
